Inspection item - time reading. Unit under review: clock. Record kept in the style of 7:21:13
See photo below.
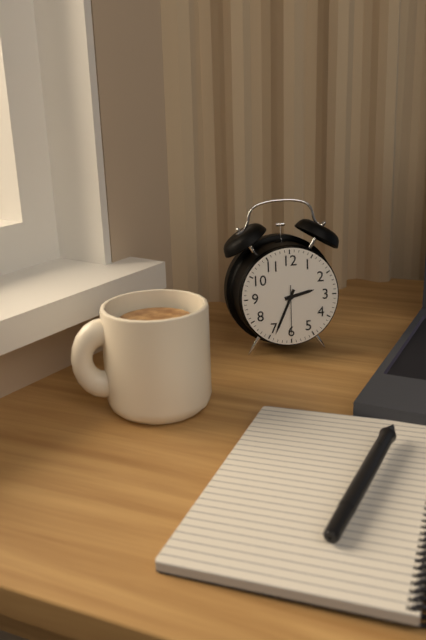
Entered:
2:34:30
